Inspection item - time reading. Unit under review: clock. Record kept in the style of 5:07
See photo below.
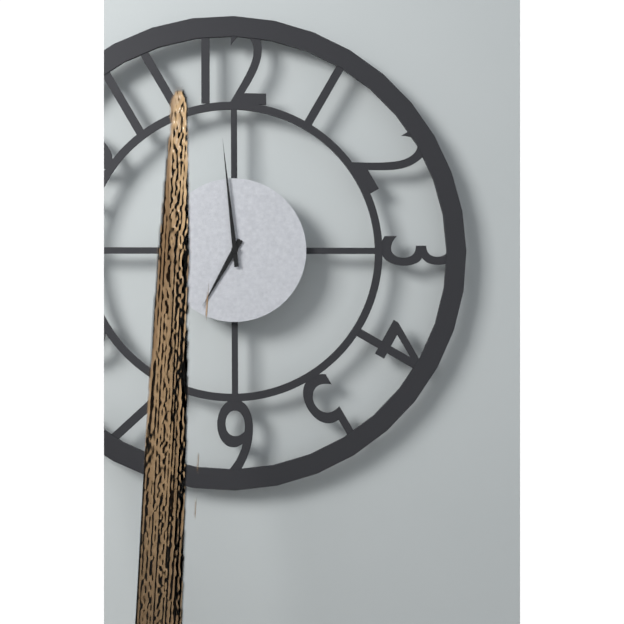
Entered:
6:59
